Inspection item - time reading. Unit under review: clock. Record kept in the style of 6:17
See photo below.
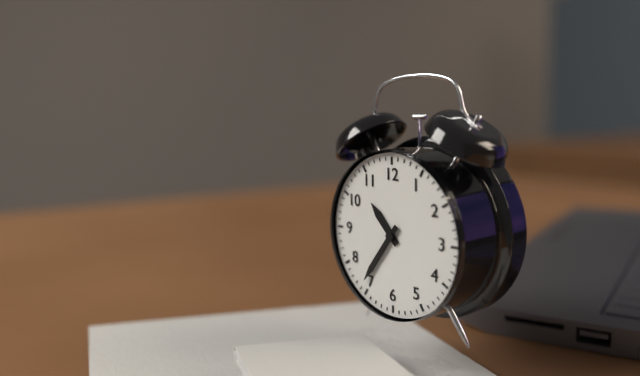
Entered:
10:36
